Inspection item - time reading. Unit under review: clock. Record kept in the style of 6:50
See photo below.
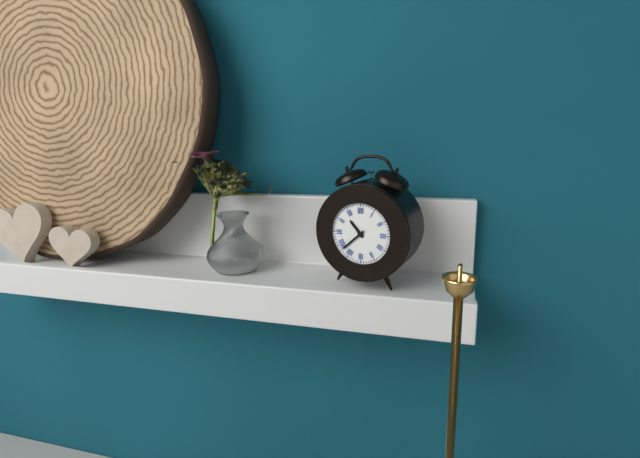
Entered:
10:38
